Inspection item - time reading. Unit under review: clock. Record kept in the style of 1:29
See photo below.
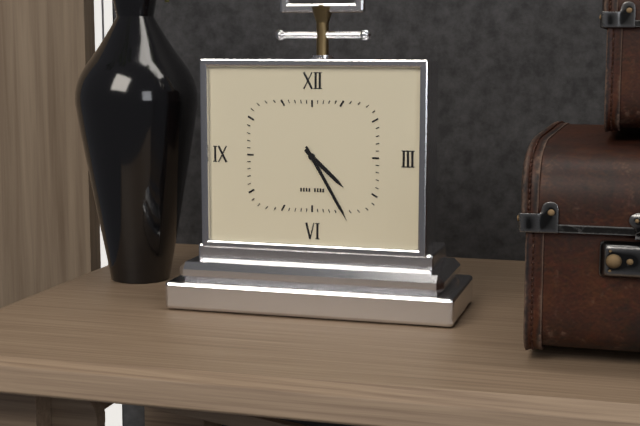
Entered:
4:25
